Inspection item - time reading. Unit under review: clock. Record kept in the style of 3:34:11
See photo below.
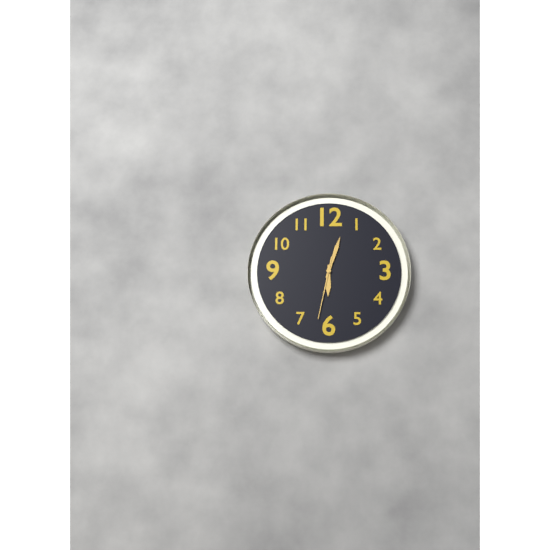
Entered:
6:03:32
